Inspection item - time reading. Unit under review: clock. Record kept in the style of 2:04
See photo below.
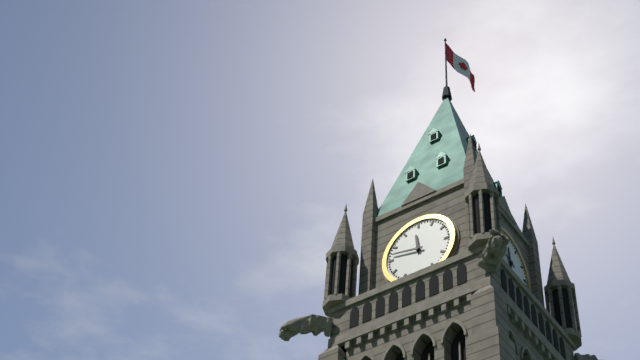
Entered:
11:47
